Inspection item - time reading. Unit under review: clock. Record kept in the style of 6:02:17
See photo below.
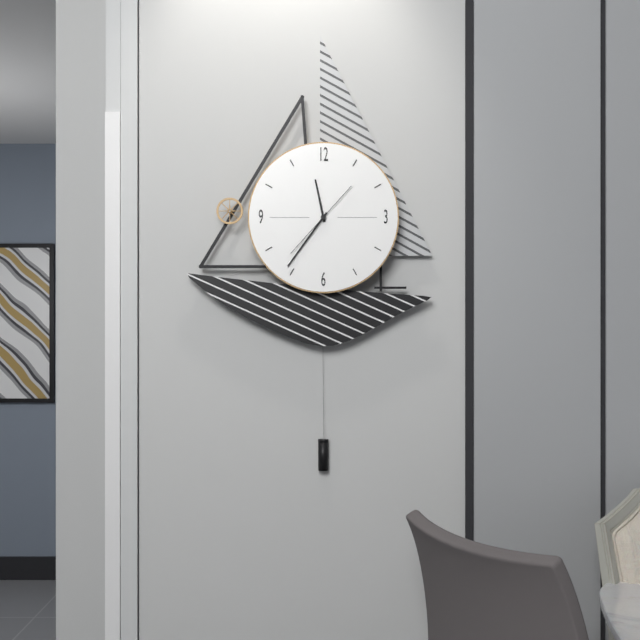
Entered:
11:36:37
